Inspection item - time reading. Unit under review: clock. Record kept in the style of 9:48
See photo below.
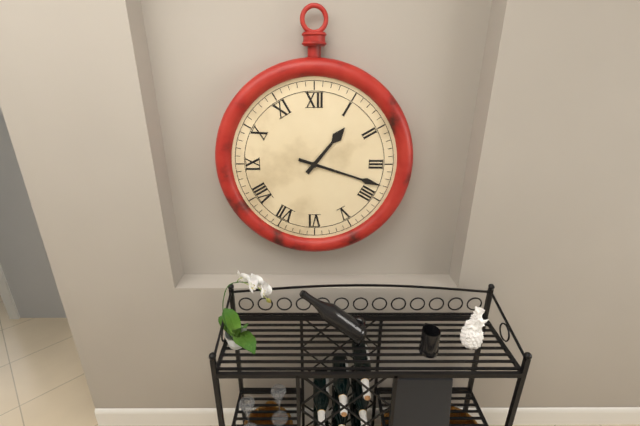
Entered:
1:18
